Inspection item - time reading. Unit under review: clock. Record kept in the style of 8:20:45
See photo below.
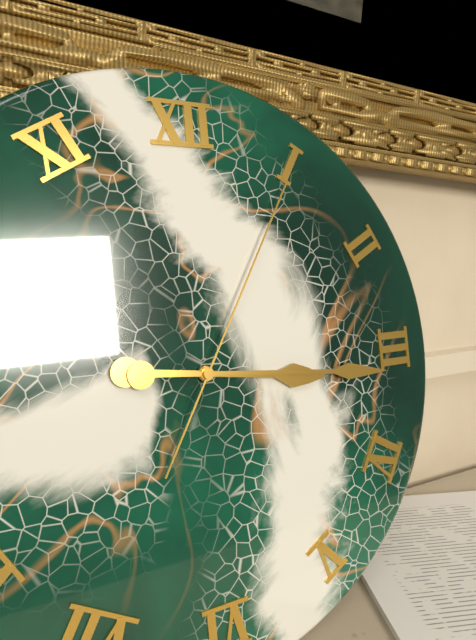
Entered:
3:16:05
